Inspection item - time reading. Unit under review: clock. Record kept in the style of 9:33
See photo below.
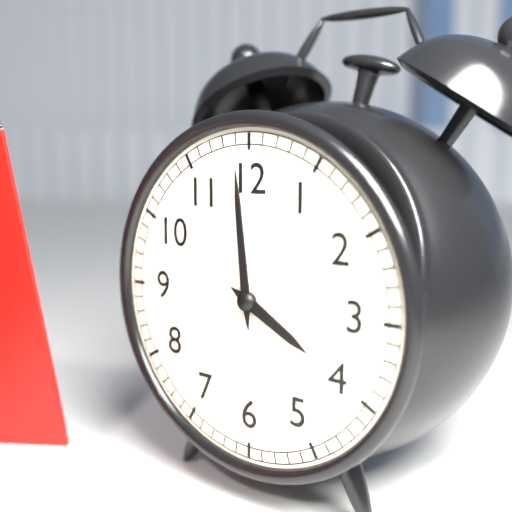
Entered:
3:59
